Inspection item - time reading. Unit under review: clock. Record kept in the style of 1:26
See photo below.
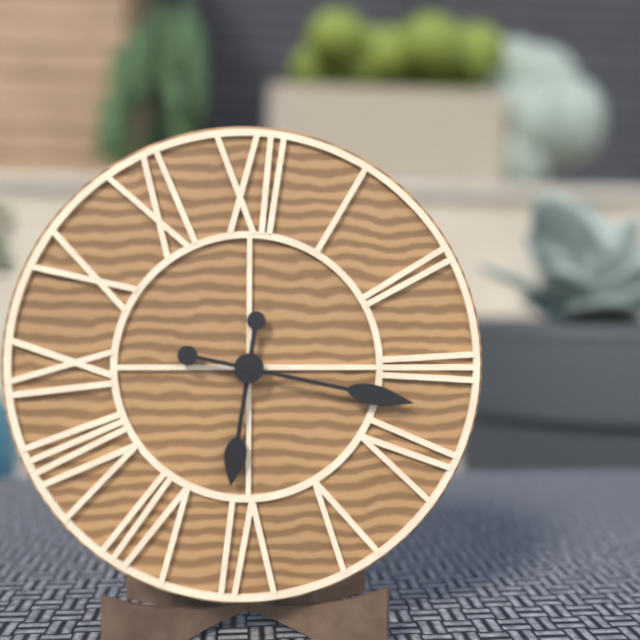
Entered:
6:17
